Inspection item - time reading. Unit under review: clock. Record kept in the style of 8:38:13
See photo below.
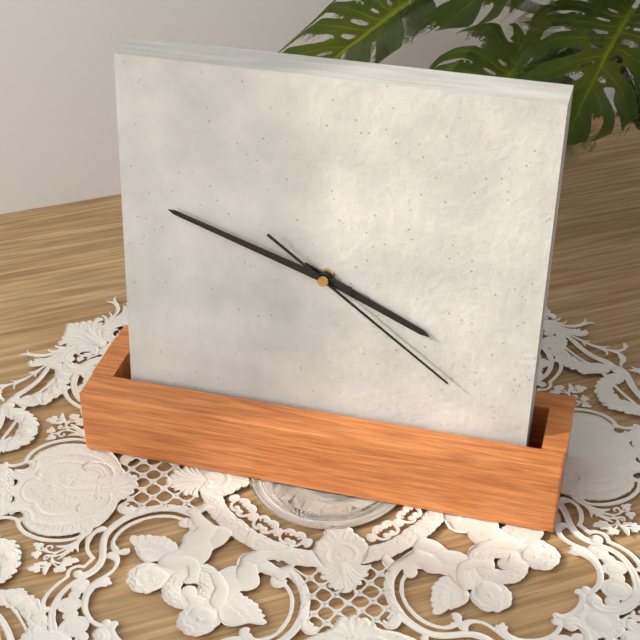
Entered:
3:48:21
